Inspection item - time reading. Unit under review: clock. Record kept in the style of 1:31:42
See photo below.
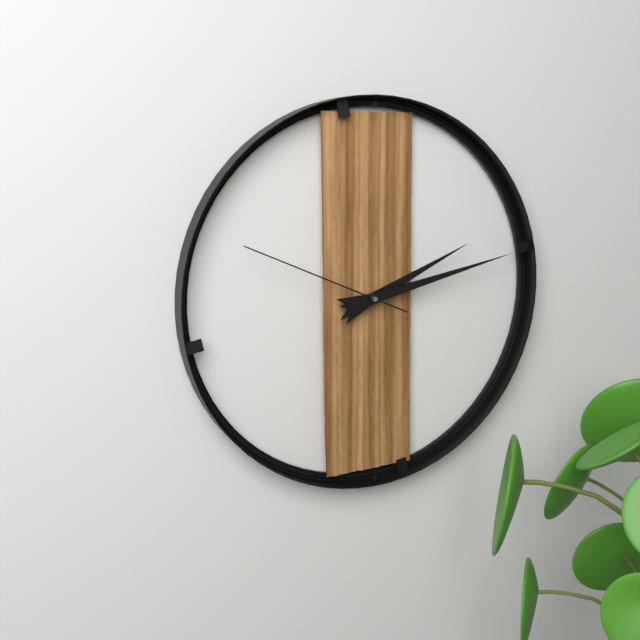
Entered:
2:13:49
